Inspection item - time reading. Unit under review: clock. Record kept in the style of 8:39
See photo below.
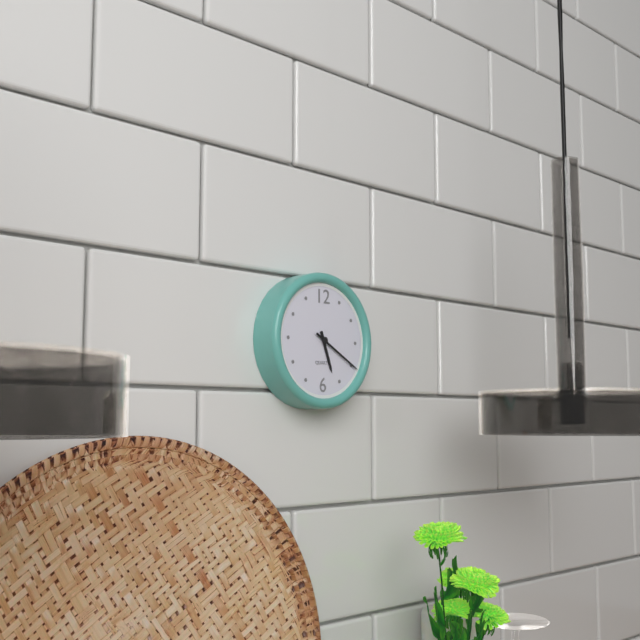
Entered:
5:20
